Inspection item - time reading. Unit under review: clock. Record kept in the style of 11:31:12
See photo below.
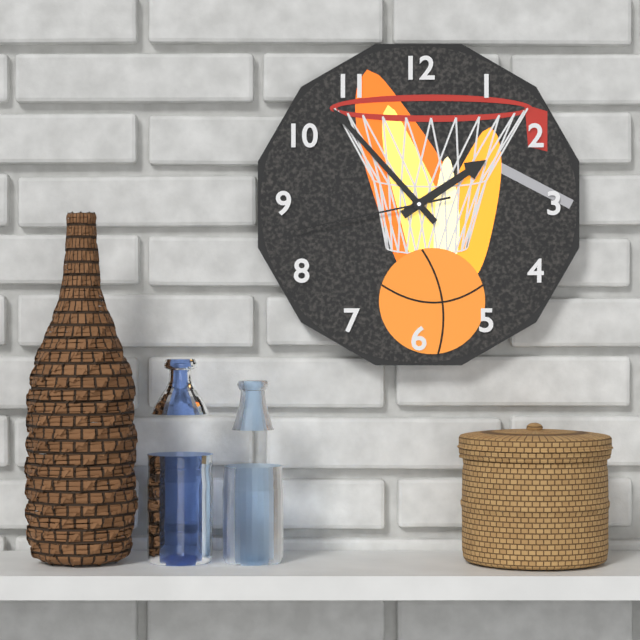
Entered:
1:53:43
